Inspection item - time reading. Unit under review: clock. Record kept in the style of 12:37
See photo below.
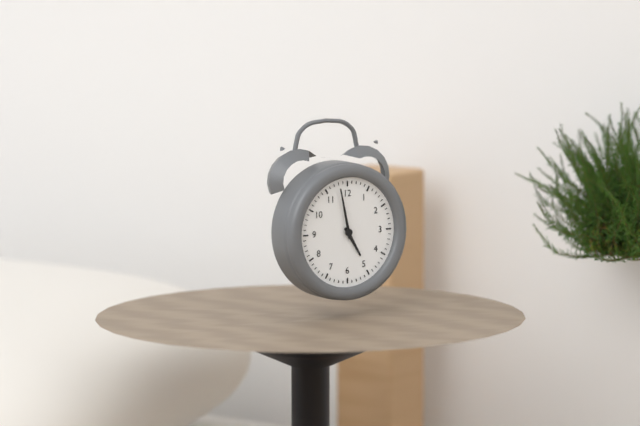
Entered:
4:58
